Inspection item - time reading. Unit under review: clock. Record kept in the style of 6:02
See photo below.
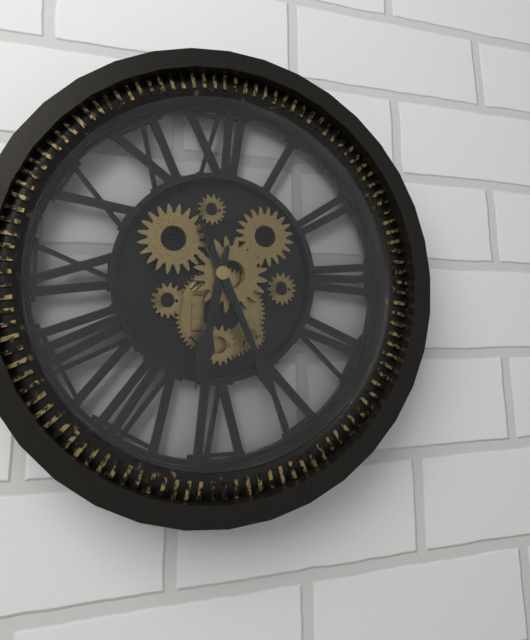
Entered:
6:26
